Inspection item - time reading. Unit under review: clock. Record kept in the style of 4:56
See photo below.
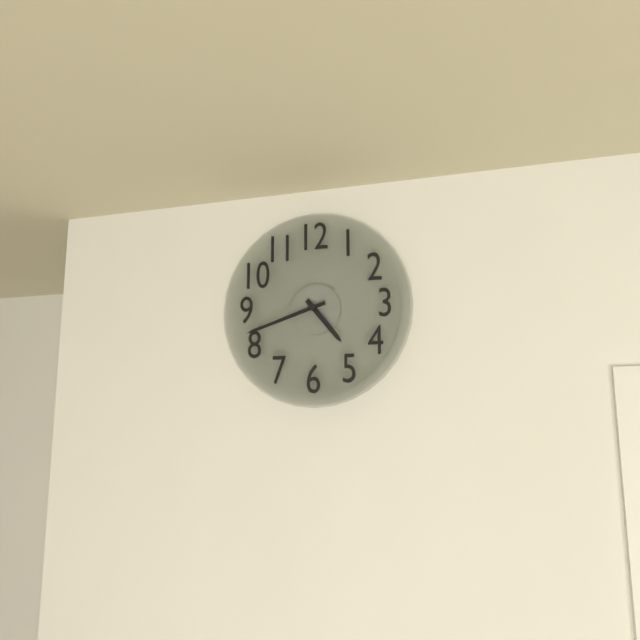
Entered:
4:42
